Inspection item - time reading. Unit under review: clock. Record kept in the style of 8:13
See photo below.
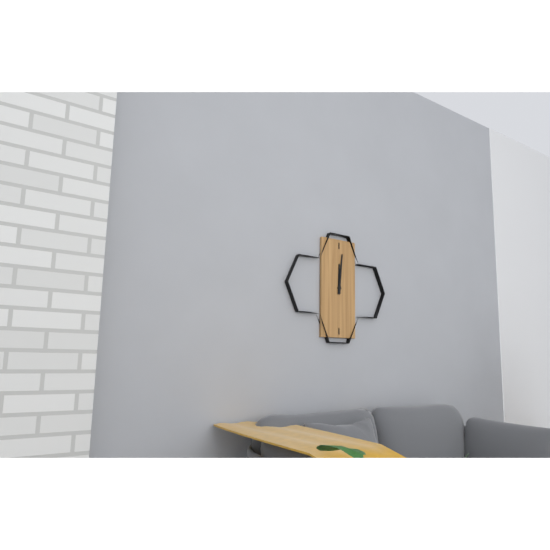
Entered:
12:01
